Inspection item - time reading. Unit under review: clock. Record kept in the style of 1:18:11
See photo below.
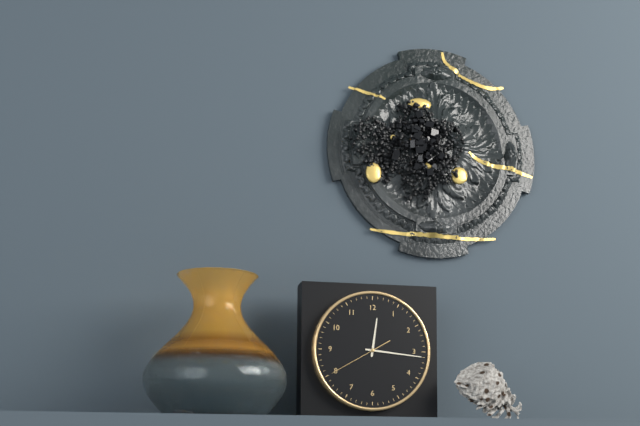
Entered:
12:16:40
